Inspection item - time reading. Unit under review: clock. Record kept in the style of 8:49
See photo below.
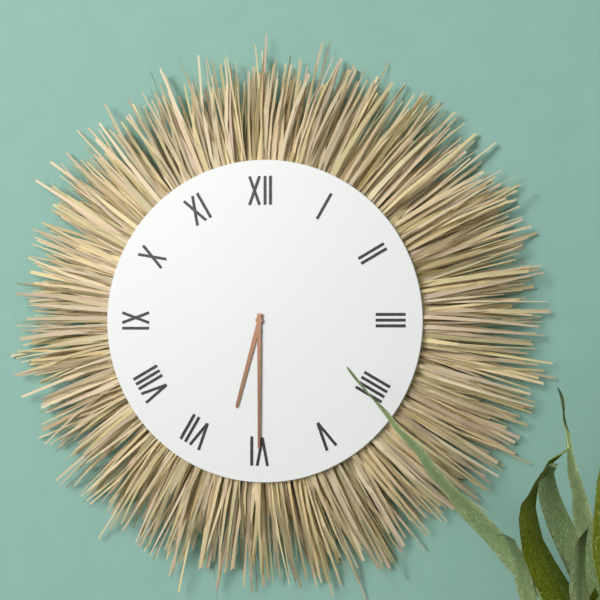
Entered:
6:30
